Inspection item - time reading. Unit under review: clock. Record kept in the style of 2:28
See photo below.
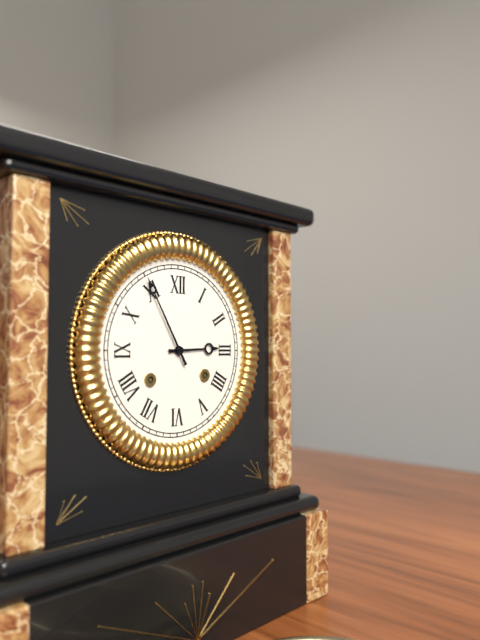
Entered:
2:55
